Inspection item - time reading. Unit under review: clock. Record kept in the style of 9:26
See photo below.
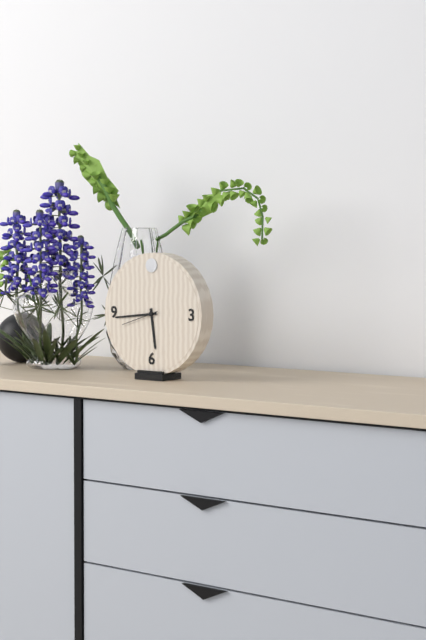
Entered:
5:44
